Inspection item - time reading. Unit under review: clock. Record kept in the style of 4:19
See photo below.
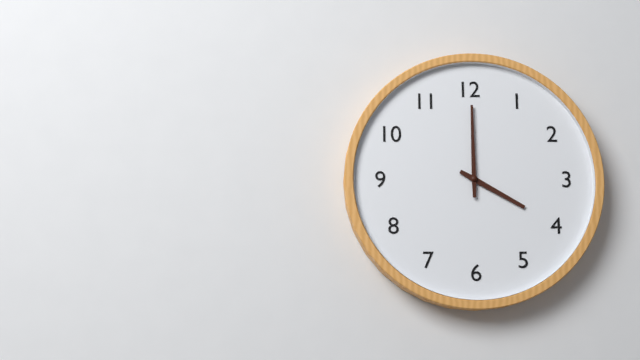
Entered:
4:00
